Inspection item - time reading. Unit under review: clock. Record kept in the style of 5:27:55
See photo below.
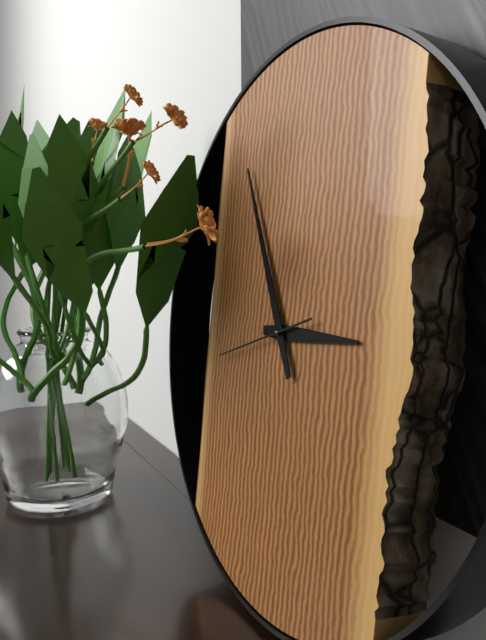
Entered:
2:55:42
